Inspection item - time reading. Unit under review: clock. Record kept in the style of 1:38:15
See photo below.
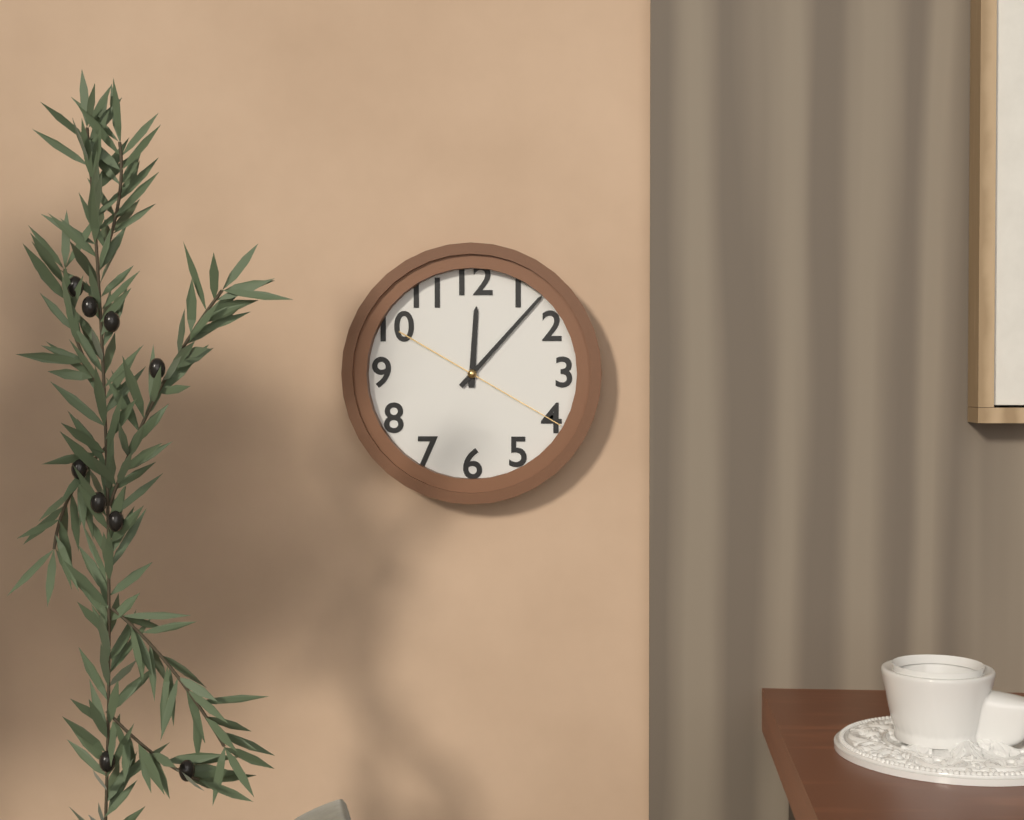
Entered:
12:07:20
